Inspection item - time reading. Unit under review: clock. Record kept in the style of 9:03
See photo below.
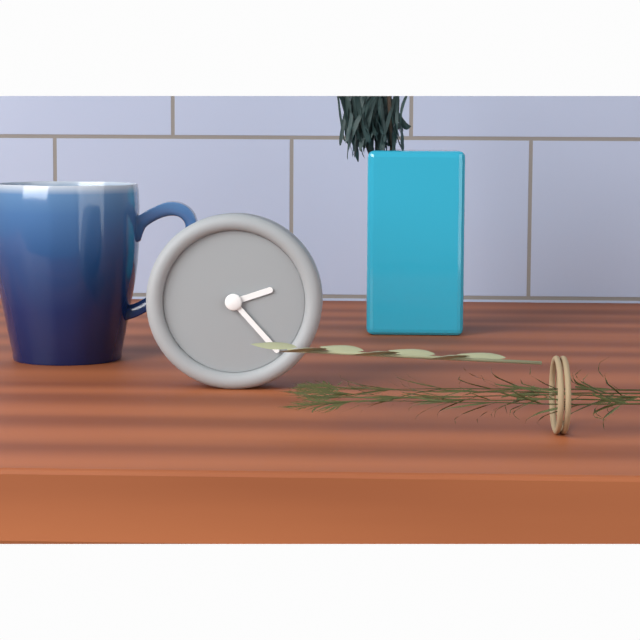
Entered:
2:23
